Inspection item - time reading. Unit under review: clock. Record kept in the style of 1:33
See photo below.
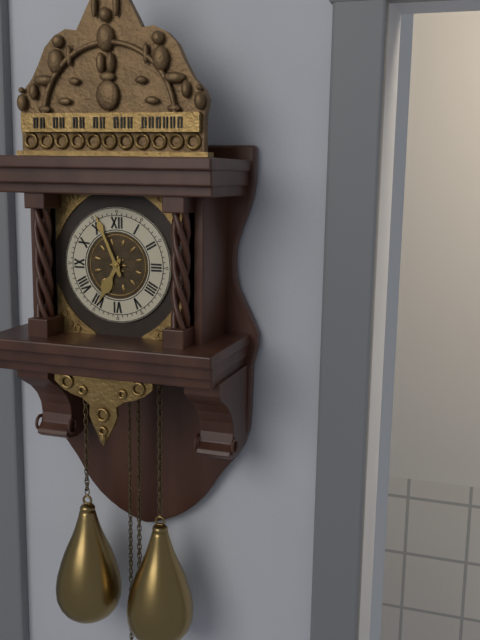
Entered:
6:56
